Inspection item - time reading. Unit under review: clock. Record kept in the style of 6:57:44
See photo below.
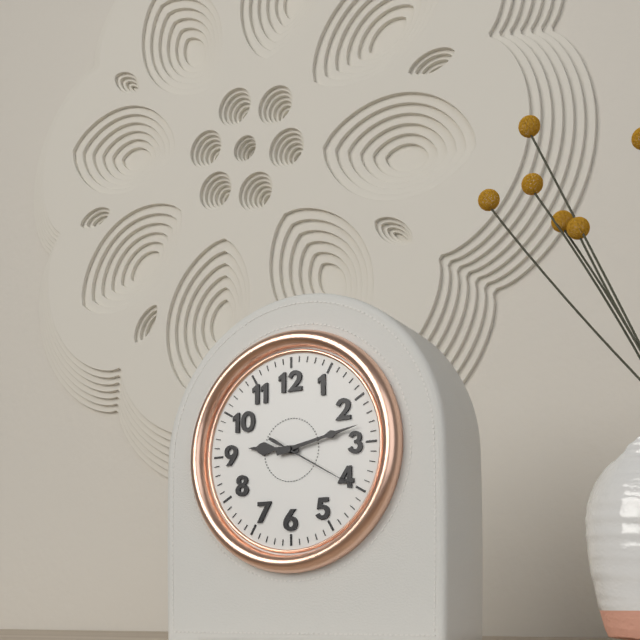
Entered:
9:13:20
